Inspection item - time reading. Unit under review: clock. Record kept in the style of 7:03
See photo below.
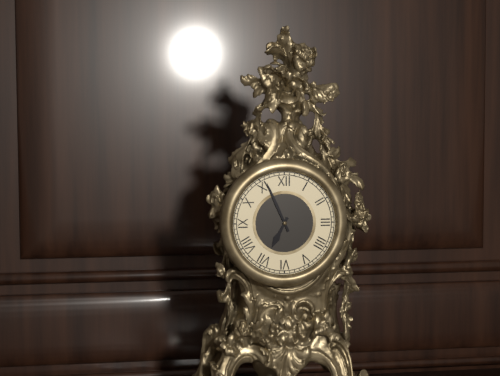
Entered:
6:56
